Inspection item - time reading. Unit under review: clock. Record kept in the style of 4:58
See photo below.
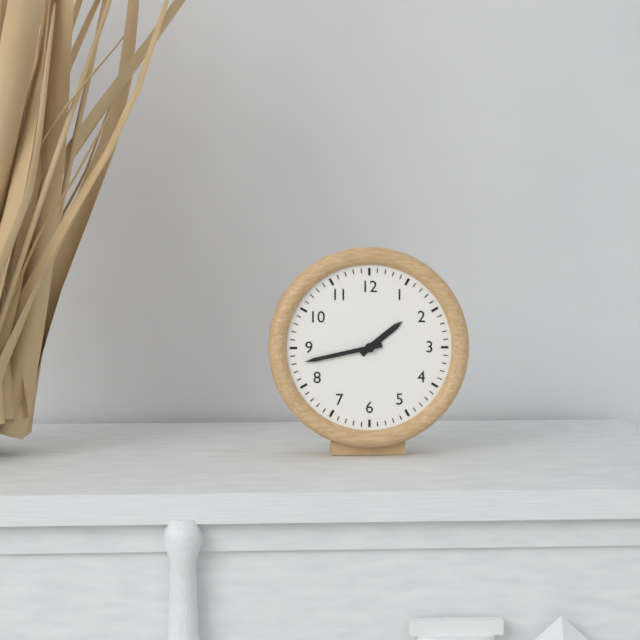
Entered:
1:43
